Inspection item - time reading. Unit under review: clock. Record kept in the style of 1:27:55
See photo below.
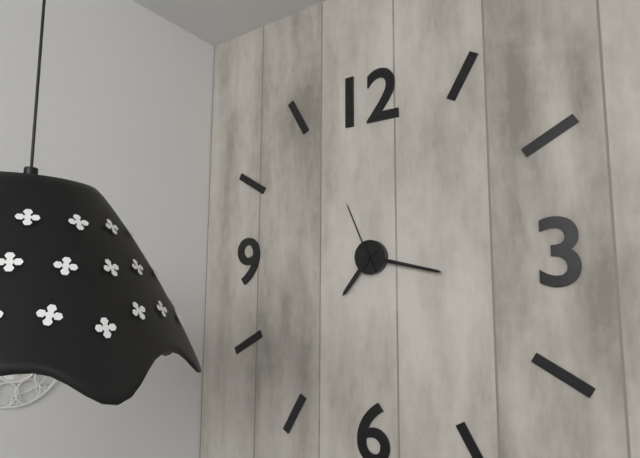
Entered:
7:17:56
